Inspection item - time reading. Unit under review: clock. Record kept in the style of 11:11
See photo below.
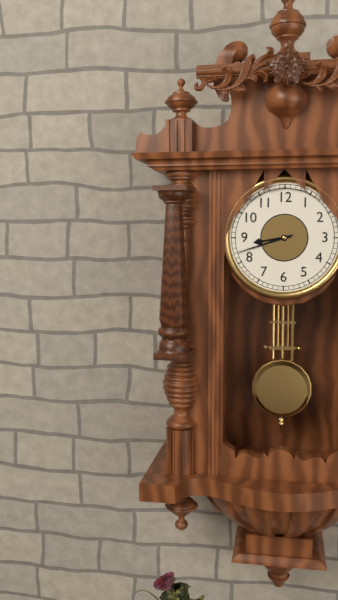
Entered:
8:42
